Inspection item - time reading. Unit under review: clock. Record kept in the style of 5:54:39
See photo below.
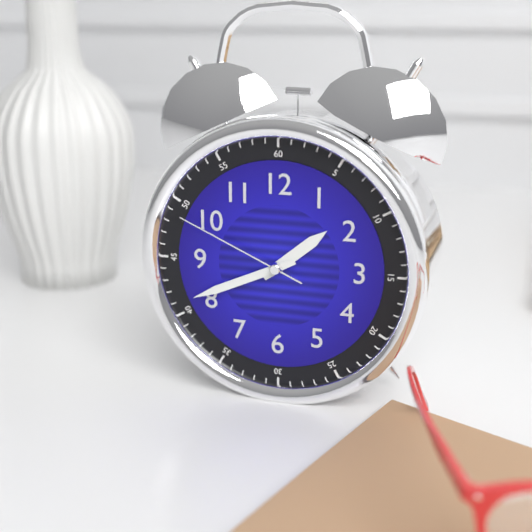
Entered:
1:41:49
